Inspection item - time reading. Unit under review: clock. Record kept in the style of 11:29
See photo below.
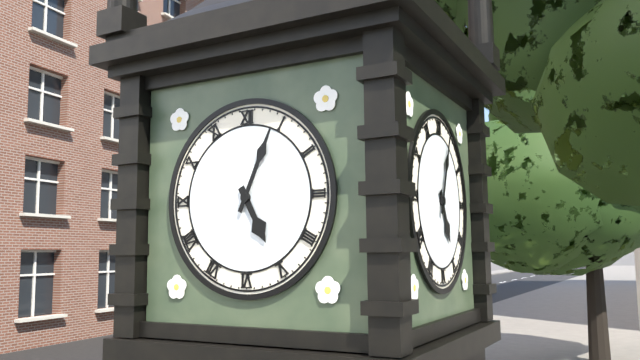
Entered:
5:04
